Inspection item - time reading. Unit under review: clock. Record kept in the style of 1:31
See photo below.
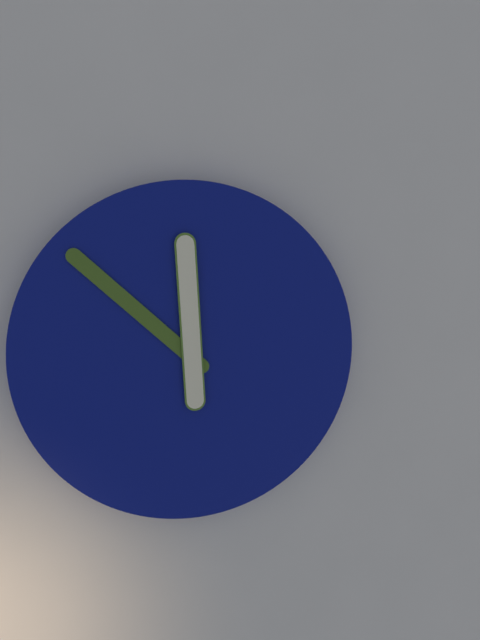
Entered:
11:52
